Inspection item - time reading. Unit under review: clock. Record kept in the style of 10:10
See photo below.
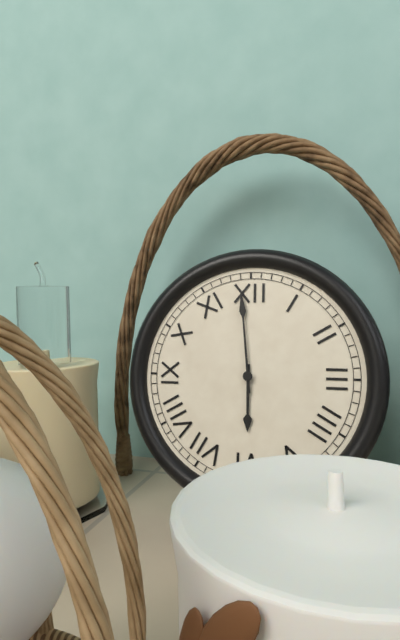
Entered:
5:59
